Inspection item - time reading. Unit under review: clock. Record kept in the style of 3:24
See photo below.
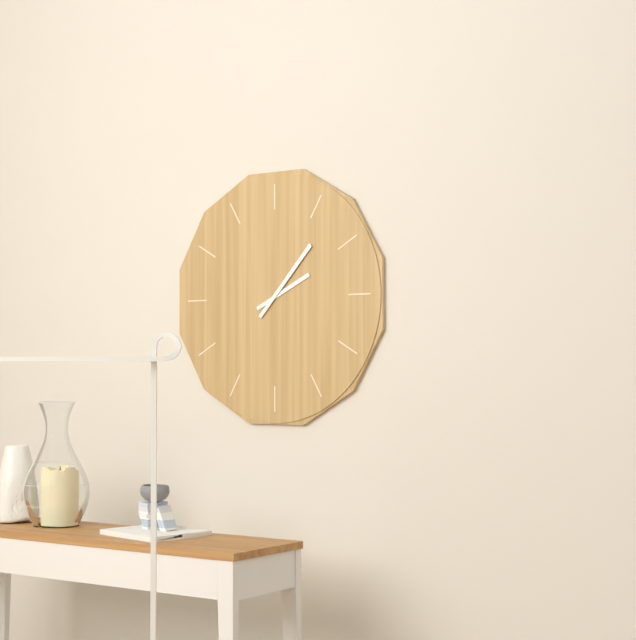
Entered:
2:07
